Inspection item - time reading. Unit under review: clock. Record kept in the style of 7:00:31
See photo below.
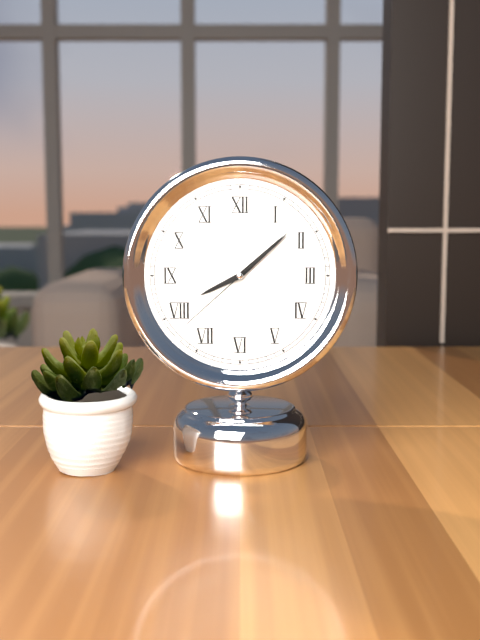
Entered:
8:08:38
